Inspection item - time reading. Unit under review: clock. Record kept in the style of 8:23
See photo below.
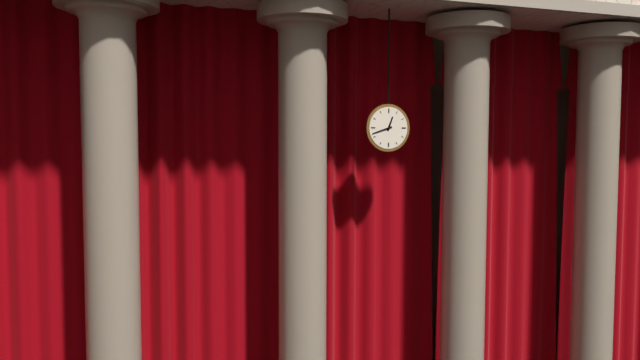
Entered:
12:42
